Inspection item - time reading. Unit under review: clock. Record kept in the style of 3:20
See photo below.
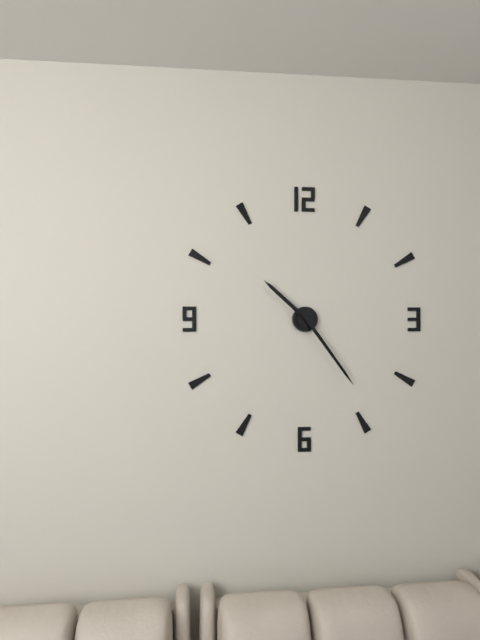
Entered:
10:24
